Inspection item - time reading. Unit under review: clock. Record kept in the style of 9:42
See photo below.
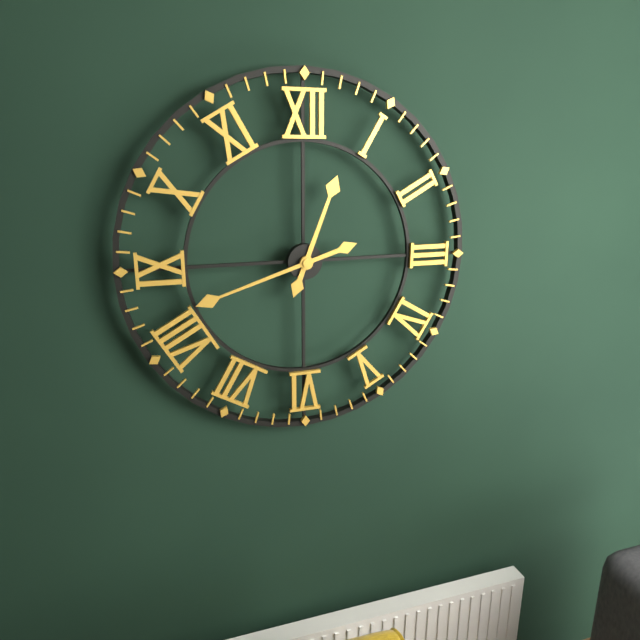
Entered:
12:42
